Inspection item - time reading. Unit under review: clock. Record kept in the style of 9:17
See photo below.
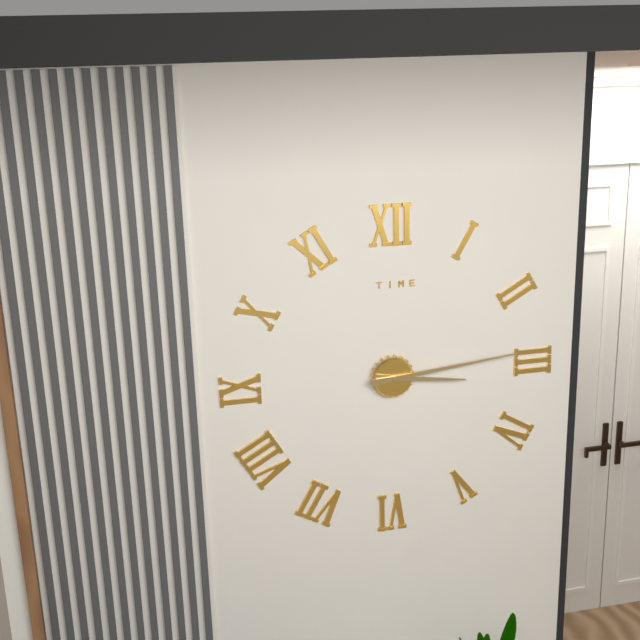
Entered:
3:14
